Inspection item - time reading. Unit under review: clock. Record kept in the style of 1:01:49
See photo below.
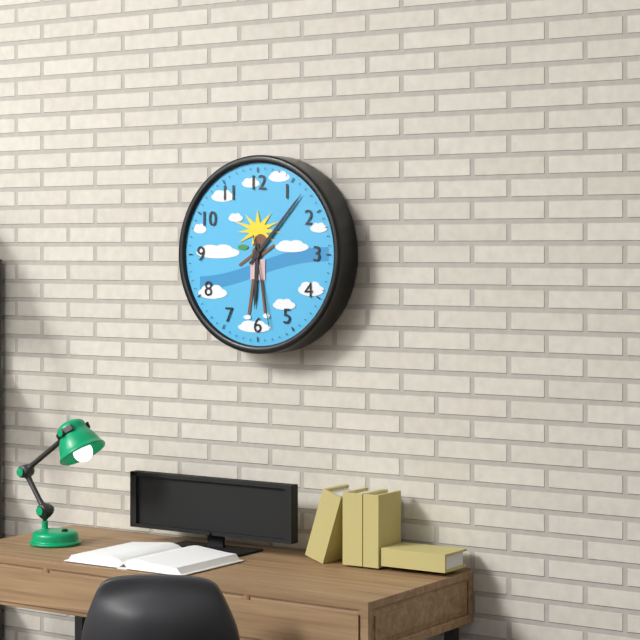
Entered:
6:07:28
